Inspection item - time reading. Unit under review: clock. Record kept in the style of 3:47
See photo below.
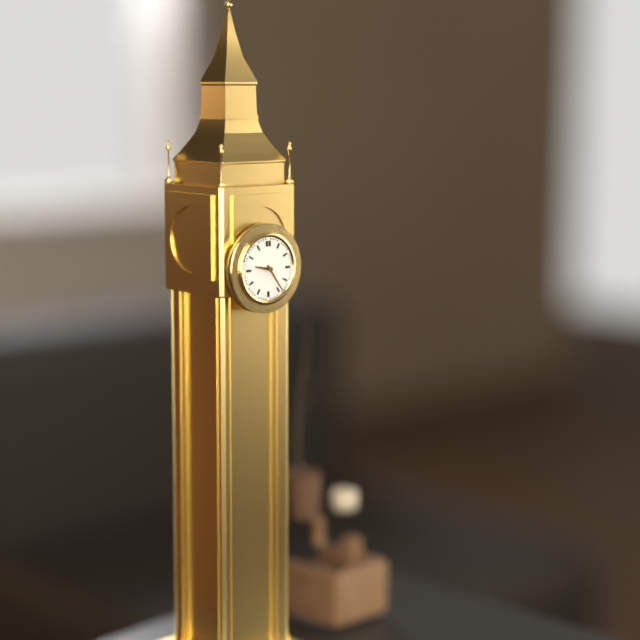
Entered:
9:24
